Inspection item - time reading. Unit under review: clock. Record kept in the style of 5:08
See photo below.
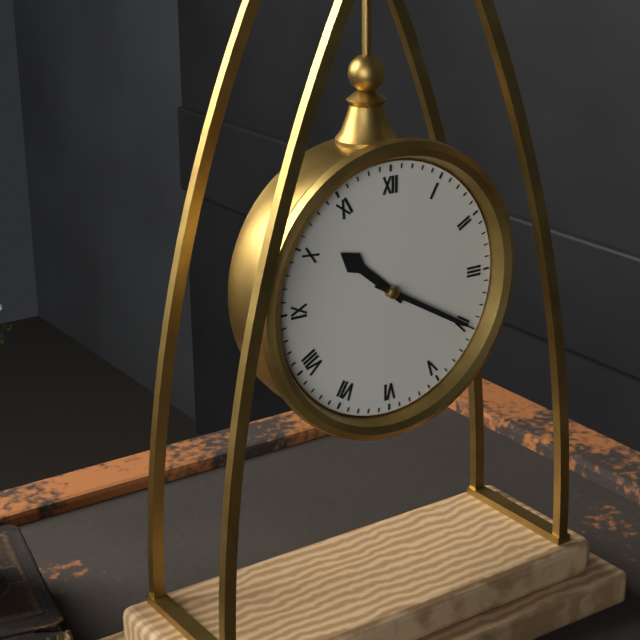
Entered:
10:20
